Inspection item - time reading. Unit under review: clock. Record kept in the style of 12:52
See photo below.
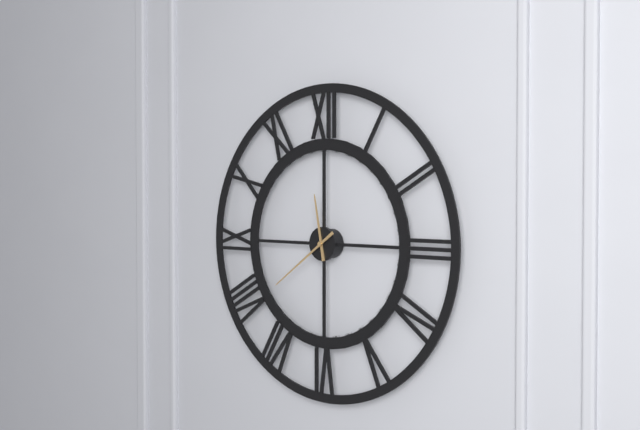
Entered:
11:39
